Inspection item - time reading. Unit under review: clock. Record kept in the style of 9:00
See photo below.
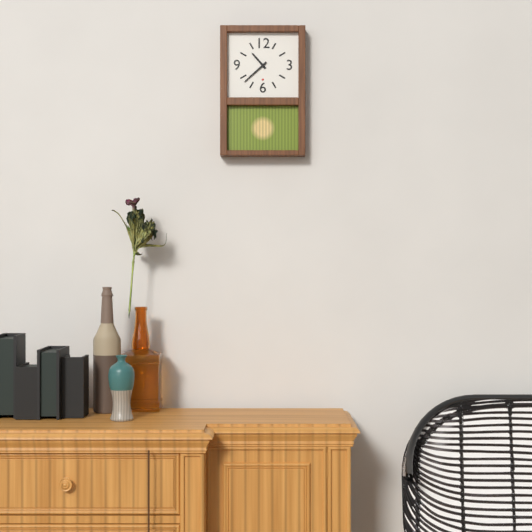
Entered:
10:38
